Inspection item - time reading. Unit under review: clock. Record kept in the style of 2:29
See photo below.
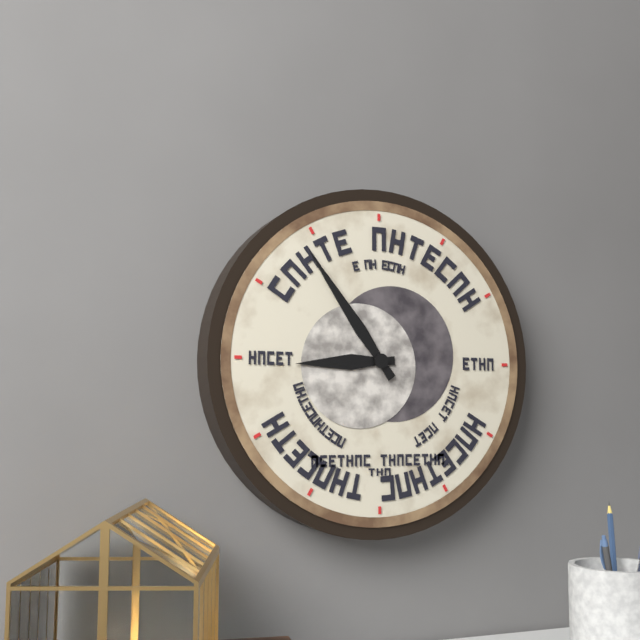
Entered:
8:54
